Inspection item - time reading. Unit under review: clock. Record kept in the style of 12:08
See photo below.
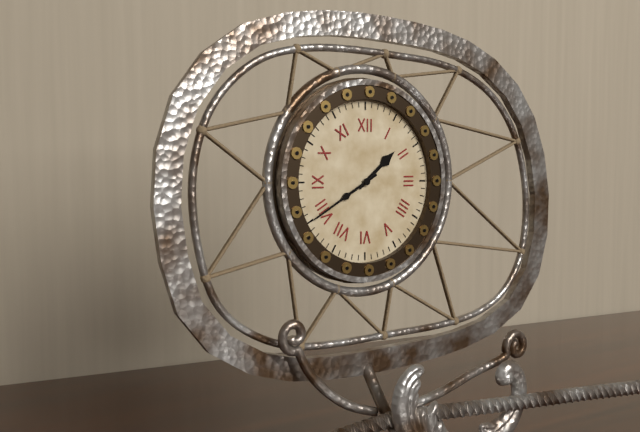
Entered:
1:40
